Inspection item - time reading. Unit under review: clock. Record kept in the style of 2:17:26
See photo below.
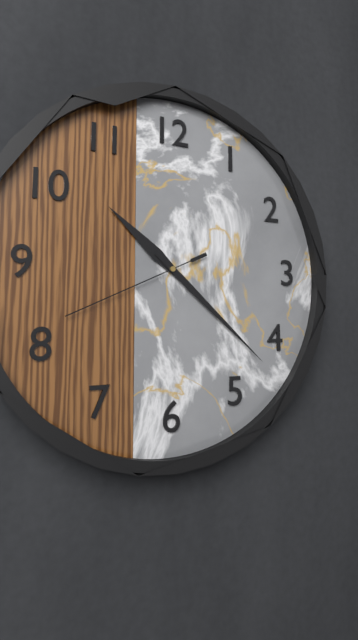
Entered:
10:22:41
